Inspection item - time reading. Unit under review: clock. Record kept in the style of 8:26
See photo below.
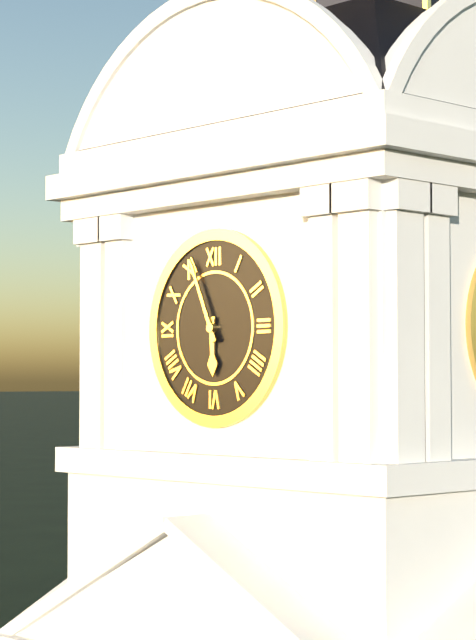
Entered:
5:56
